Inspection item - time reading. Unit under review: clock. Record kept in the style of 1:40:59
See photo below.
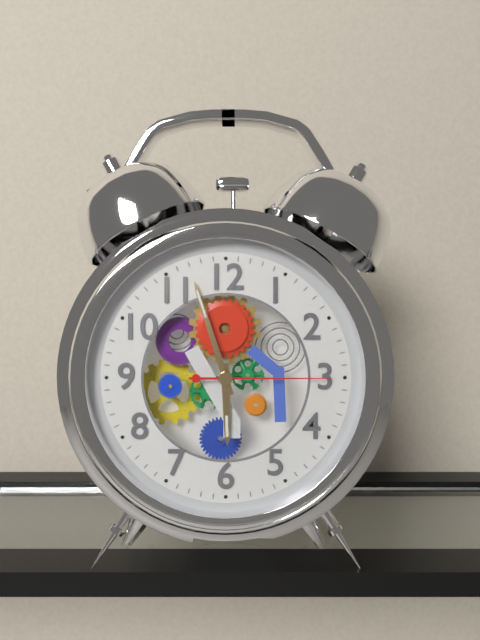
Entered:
5:57:15
